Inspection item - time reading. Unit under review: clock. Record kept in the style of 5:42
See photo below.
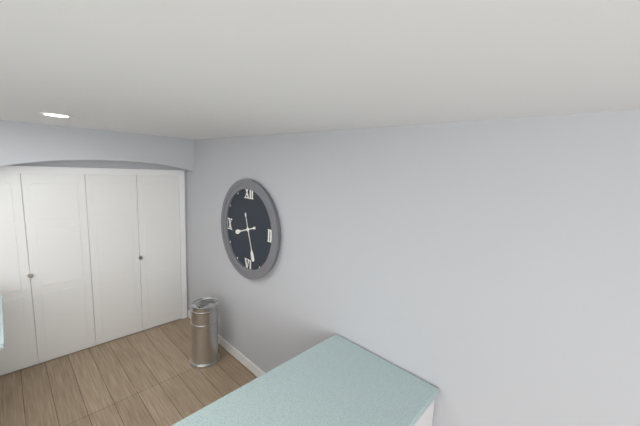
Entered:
8:27
